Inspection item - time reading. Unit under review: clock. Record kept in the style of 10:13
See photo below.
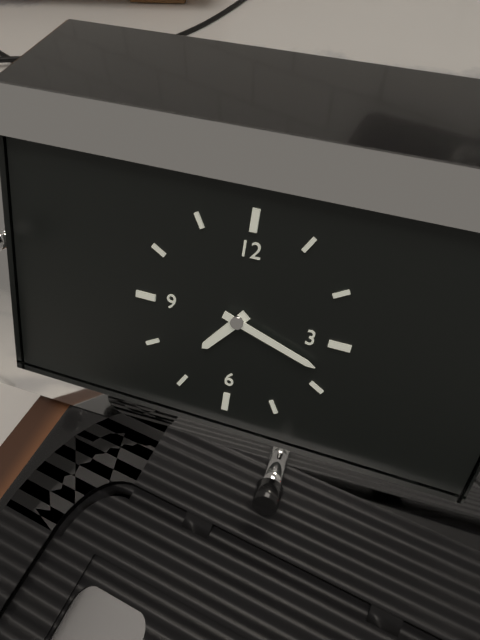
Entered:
7:18
